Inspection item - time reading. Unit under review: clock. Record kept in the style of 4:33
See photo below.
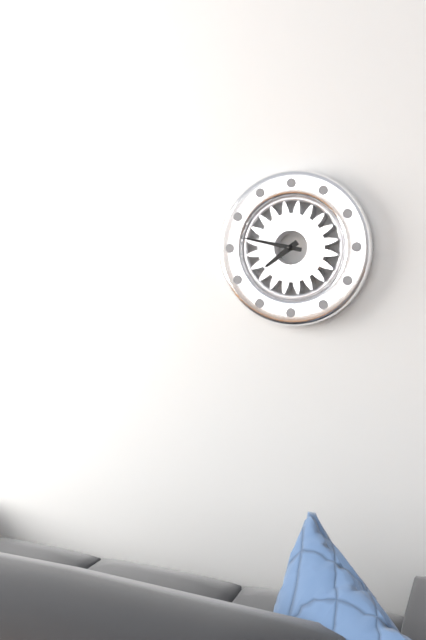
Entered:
7:47
